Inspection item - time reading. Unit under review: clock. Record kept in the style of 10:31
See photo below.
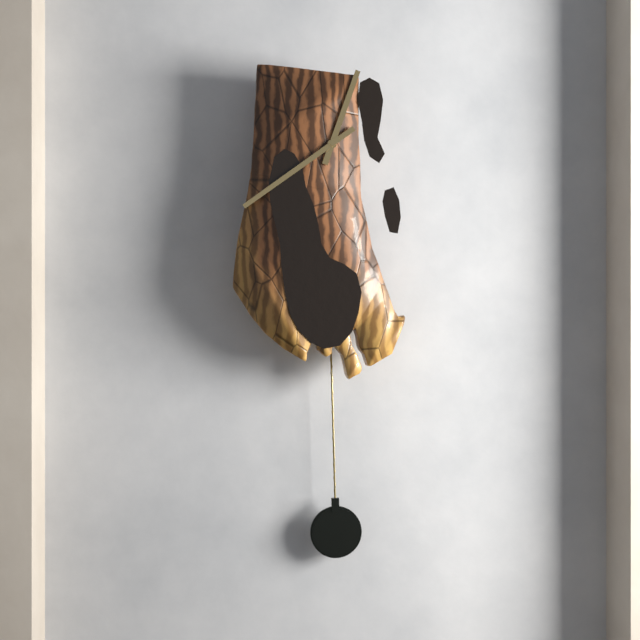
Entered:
12:39
